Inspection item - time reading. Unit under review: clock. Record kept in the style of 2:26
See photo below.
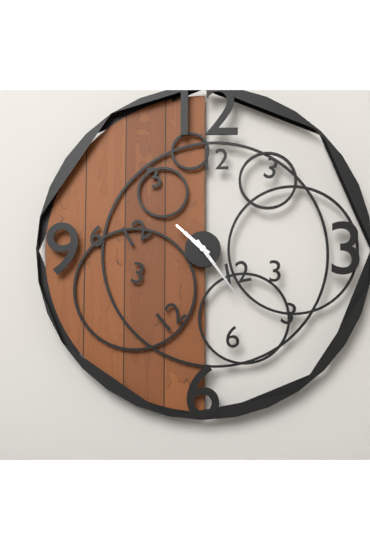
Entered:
10:24
